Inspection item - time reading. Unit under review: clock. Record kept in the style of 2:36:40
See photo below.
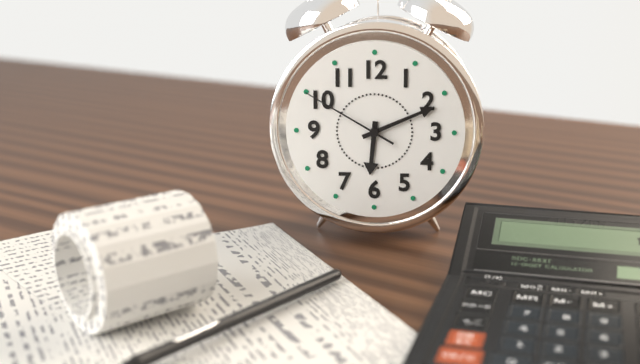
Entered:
6:11:50
